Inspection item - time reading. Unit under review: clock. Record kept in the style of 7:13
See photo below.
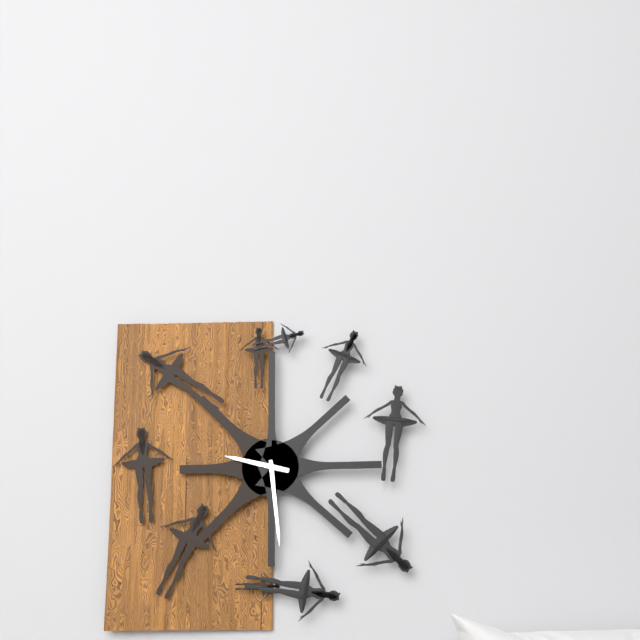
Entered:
9:29
